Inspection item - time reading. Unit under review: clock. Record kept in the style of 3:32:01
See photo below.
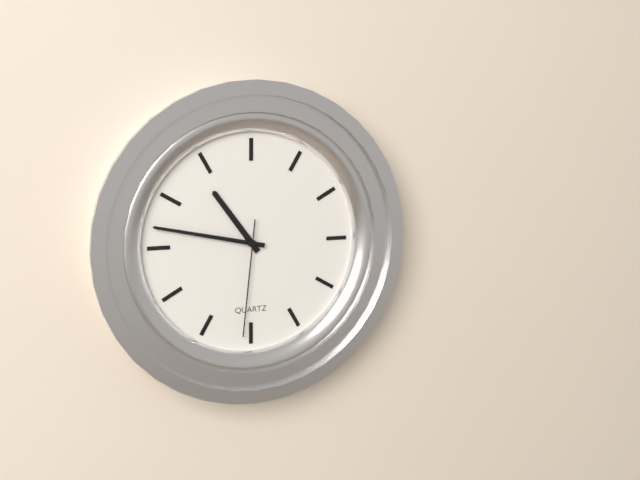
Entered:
10:47:31
